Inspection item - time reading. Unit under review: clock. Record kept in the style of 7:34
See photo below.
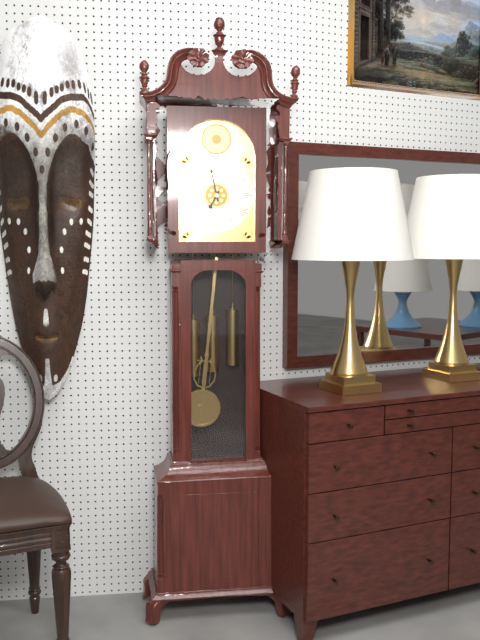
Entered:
6:58
